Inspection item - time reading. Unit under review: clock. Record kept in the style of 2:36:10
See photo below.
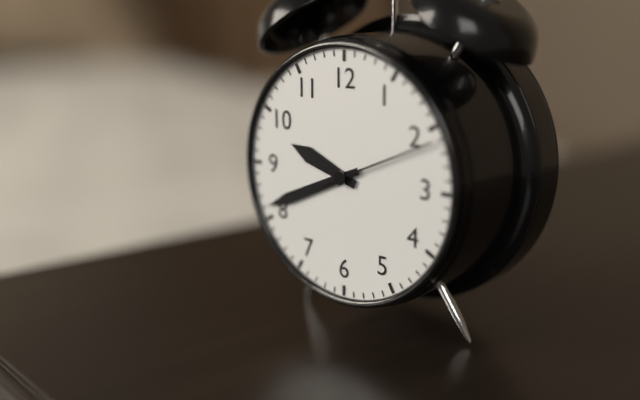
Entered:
9:41:11
